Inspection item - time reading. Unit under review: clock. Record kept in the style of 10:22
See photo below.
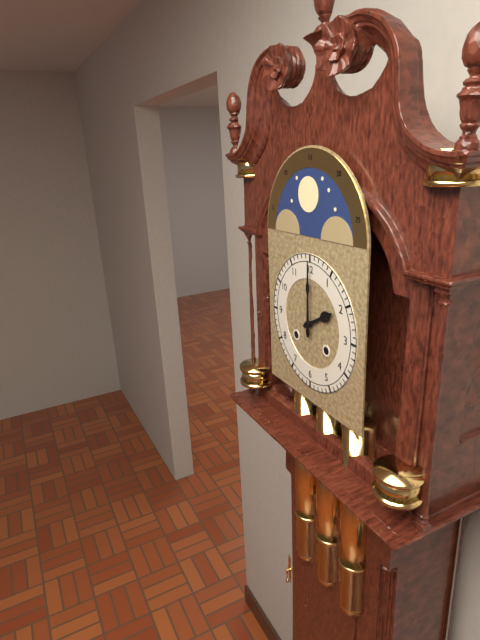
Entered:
2:00
